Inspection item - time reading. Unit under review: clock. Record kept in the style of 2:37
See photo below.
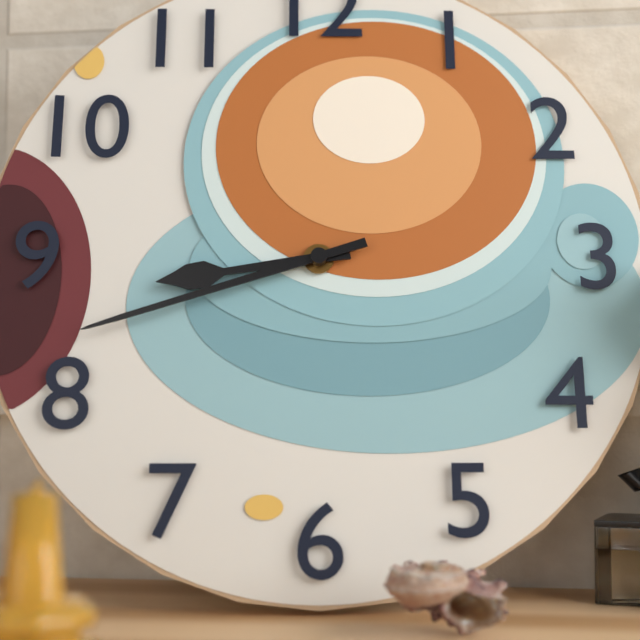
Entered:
8:42
